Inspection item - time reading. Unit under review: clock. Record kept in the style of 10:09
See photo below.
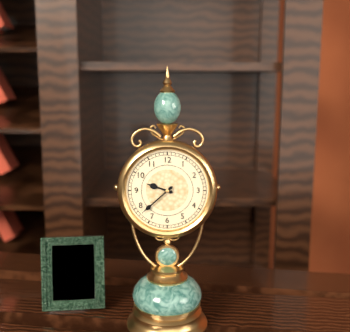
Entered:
9:38
